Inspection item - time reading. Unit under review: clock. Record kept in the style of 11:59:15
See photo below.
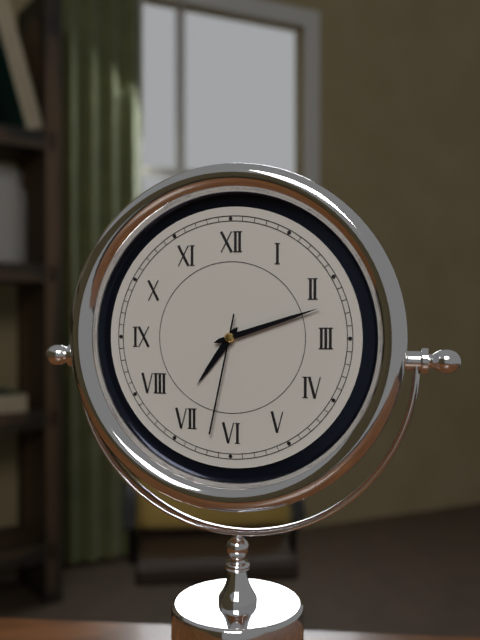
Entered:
7:12:32
